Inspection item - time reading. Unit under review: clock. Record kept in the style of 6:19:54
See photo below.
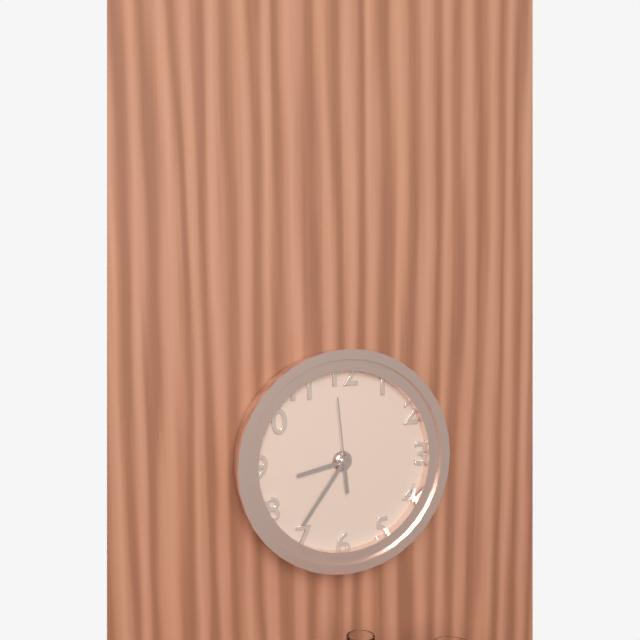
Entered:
8:36:59
